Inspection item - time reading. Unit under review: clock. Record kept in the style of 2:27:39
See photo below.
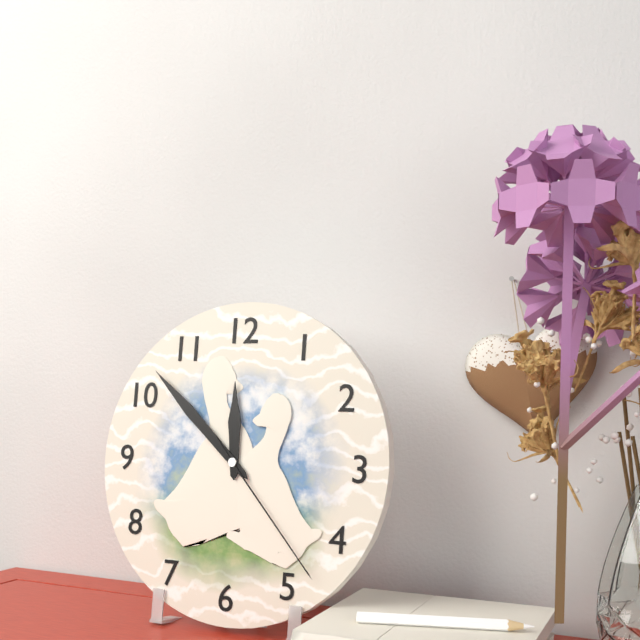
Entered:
11:52:23
